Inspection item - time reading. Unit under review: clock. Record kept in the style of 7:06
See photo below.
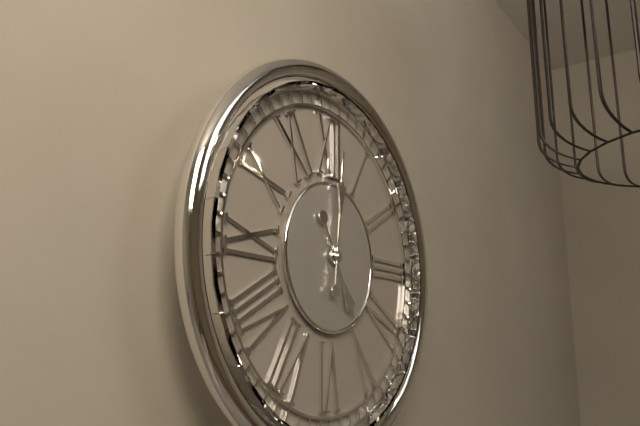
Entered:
5:01
